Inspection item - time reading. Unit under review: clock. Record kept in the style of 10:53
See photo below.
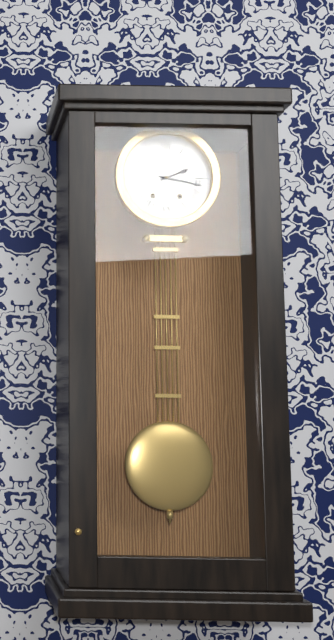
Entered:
2:17
